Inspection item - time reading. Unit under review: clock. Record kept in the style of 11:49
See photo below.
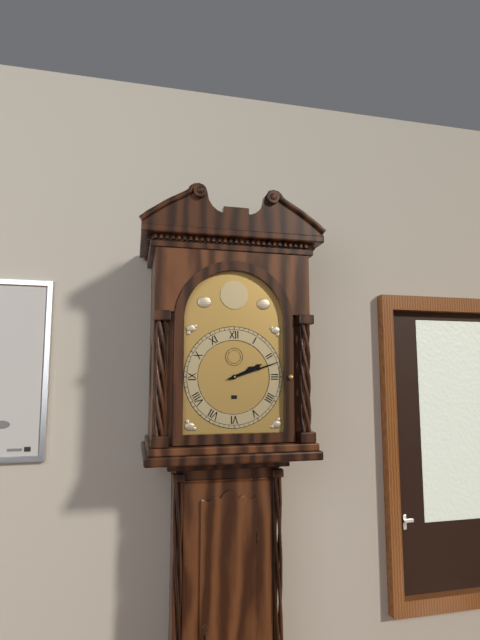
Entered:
2:12
